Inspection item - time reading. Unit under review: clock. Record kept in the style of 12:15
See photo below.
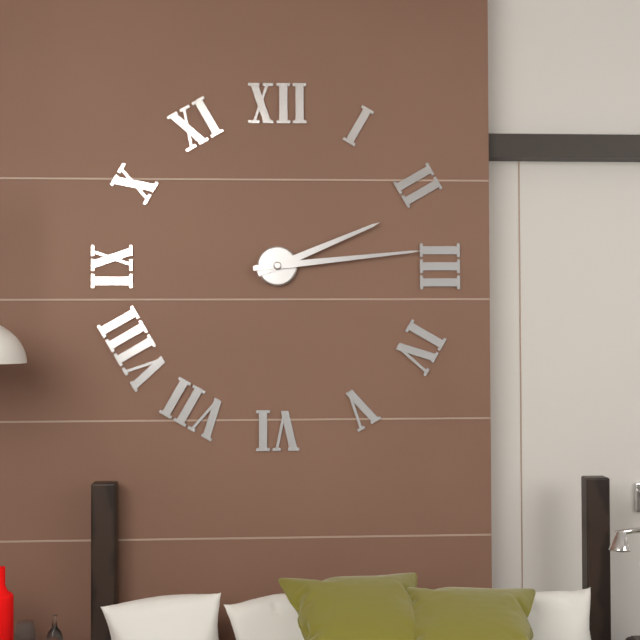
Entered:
2:14
